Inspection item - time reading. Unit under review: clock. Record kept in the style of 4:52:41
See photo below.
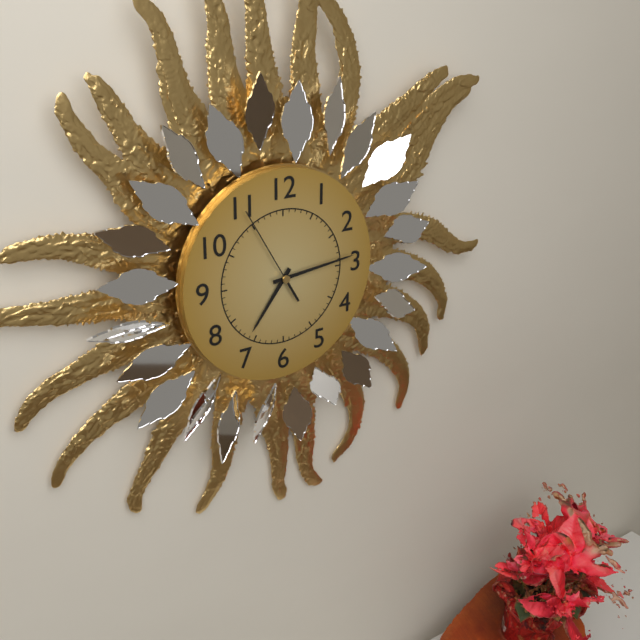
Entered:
7:14:55
